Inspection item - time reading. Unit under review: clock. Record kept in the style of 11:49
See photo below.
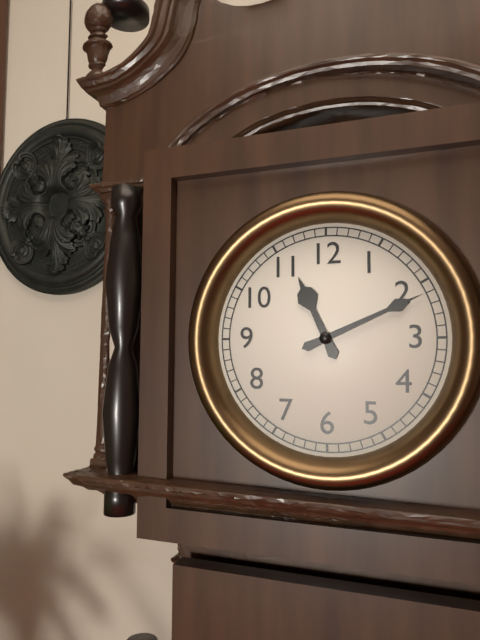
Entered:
11:11
